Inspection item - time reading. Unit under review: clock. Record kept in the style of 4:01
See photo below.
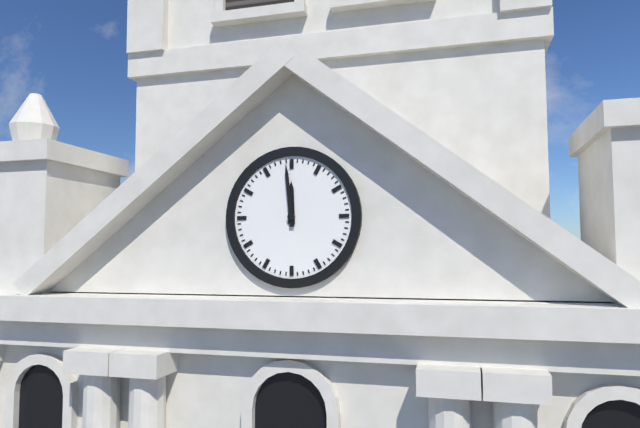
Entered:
11:59
